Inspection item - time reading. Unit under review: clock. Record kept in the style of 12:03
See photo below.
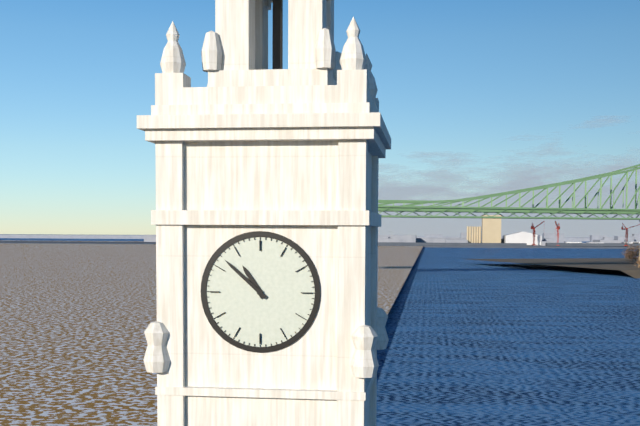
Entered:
10:52
